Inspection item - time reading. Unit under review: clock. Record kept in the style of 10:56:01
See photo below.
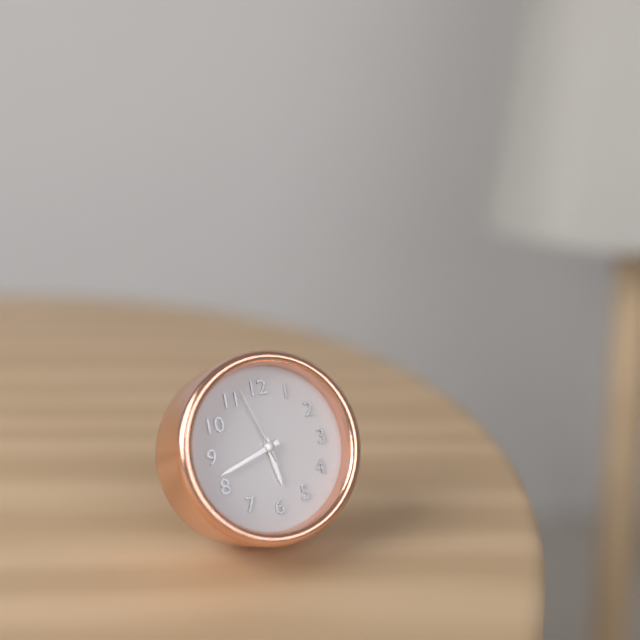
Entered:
5:42:57
